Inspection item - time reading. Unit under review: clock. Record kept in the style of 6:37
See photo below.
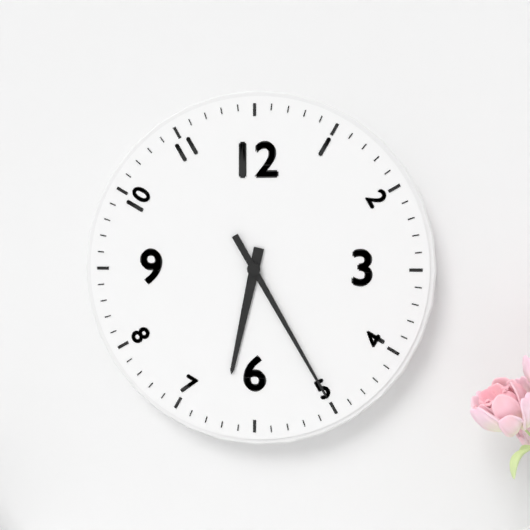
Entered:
6:25
